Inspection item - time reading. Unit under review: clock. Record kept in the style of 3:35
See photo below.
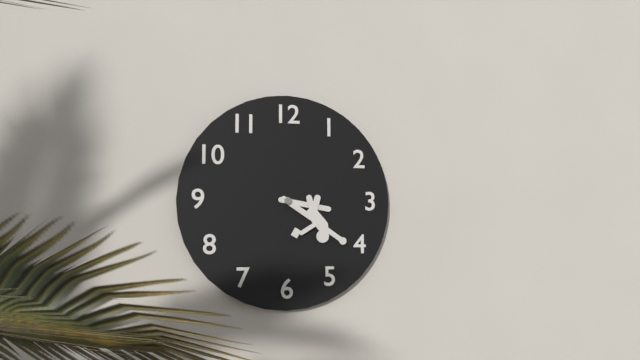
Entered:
3:20
